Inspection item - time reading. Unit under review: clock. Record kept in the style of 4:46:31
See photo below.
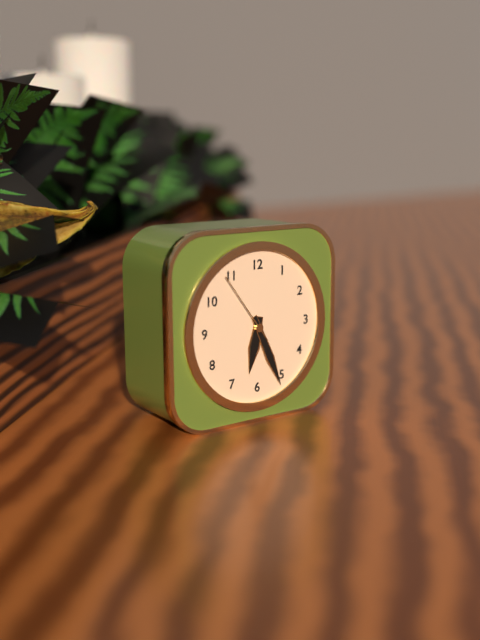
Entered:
6:26:54
